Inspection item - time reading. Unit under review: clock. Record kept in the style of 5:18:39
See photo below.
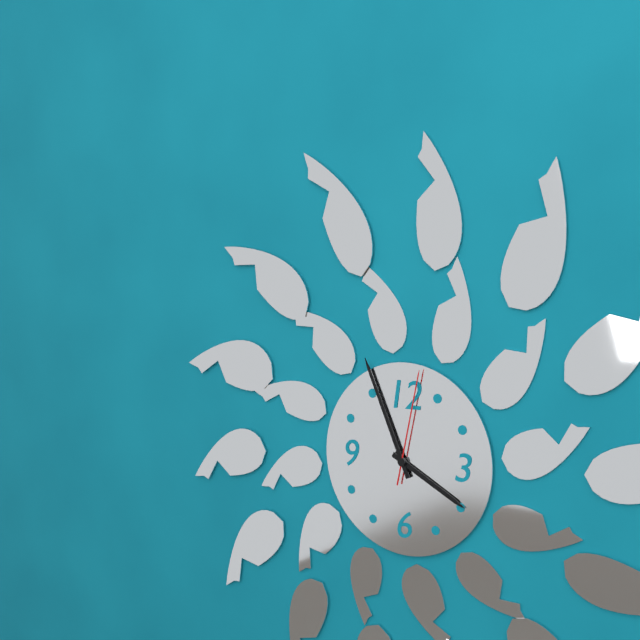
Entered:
3:56:02
